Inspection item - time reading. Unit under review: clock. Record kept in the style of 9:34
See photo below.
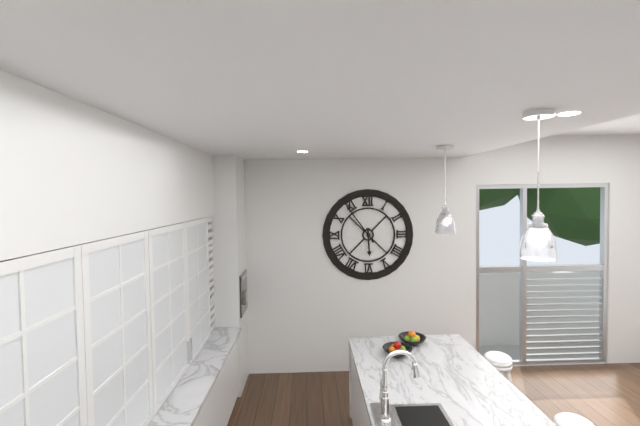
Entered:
5:54
